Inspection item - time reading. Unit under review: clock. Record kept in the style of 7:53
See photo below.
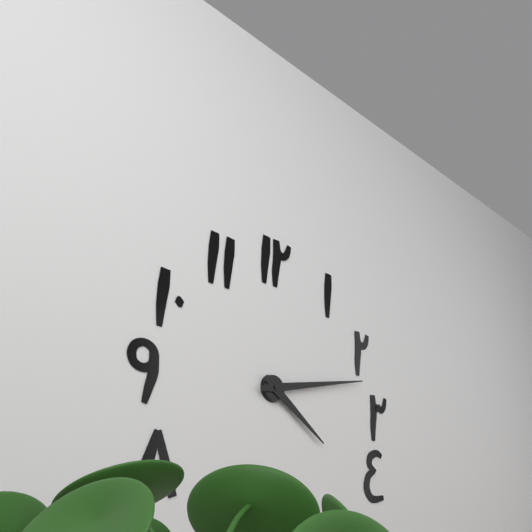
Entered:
4:13
